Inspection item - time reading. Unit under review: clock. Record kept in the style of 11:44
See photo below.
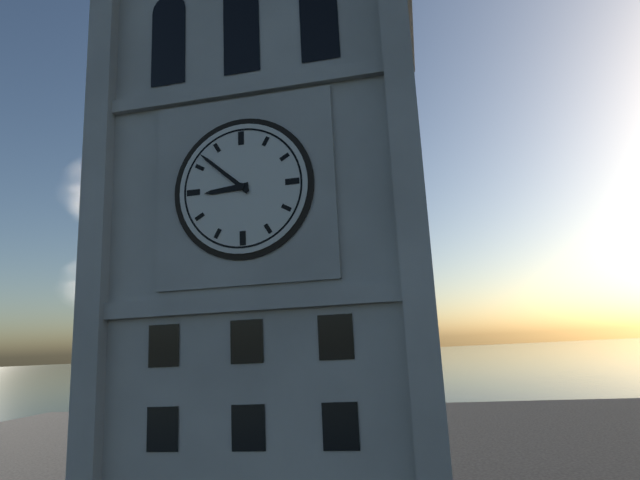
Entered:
8:52
